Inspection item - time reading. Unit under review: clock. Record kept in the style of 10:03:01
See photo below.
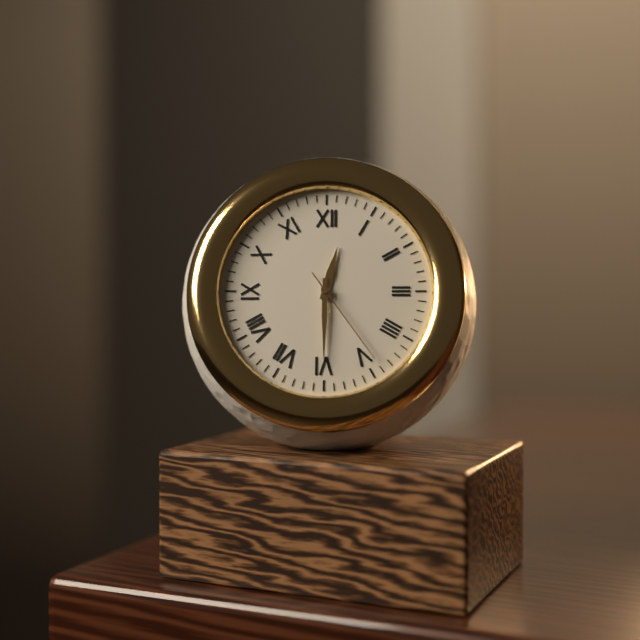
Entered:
12:30:24
